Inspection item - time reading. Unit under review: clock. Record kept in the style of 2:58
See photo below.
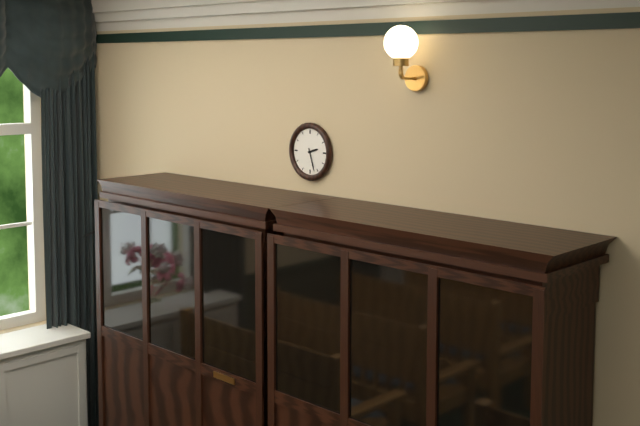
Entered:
2:27
